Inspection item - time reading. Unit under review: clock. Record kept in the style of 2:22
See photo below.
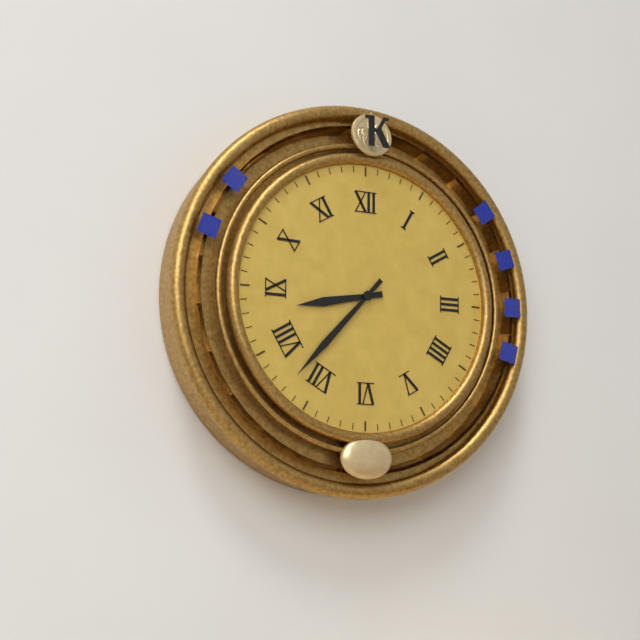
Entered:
8:37
